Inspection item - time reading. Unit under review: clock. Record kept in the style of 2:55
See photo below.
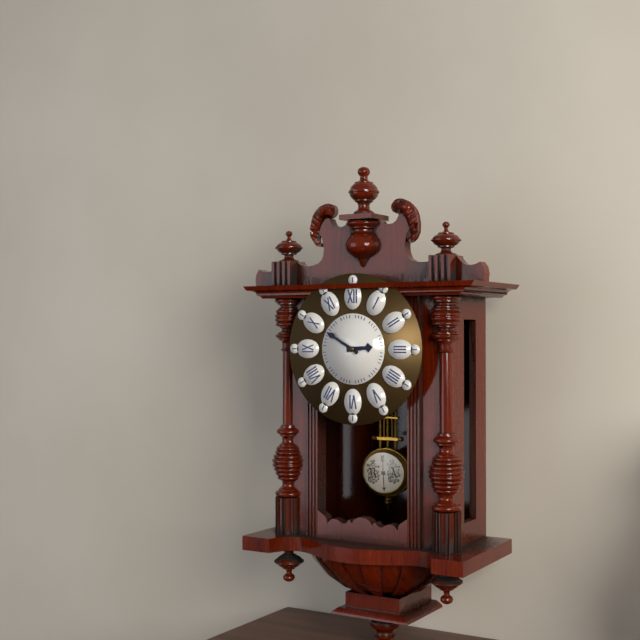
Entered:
2:50
